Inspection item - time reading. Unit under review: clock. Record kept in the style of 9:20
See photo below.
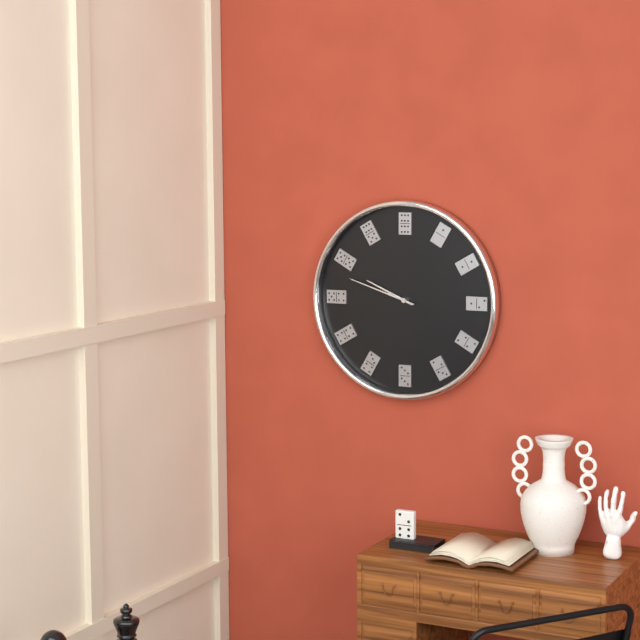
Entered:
9:48
